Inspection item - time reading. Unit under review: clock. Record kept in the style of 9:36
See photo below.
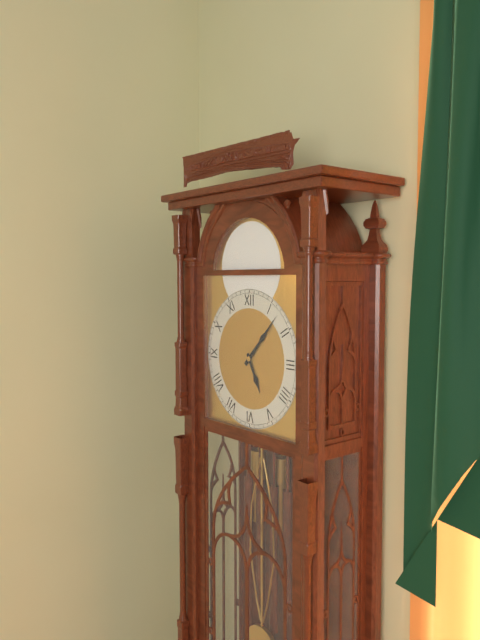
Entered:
5:07
